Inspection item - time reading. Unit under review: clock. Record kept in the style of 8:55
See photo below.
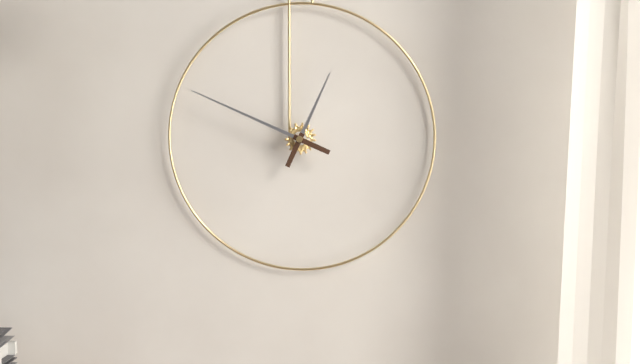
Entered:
12:49
